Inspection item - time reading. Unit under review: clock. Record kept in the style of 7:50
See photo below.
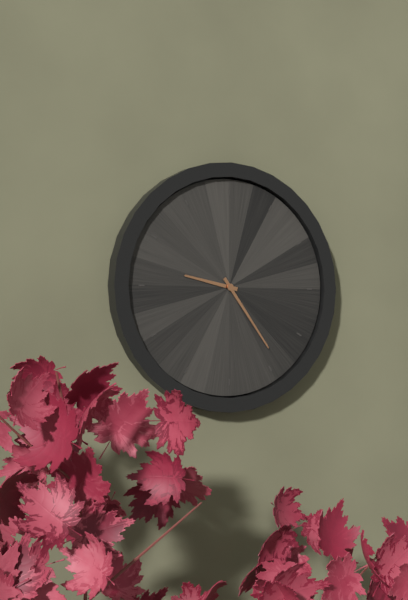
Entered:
9:24
